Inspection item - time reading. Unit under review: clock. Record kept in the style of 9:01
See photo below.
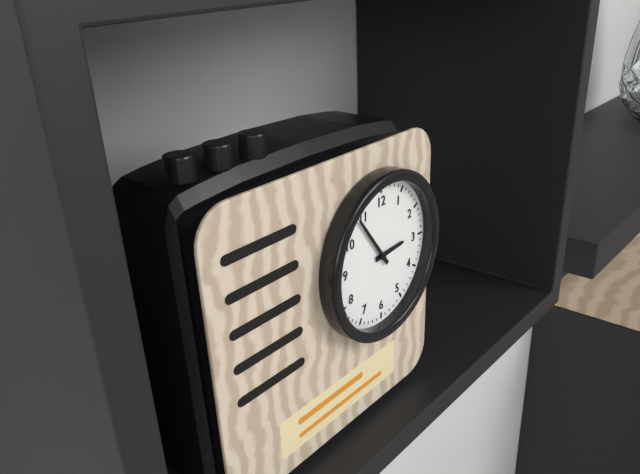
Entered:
2:54
